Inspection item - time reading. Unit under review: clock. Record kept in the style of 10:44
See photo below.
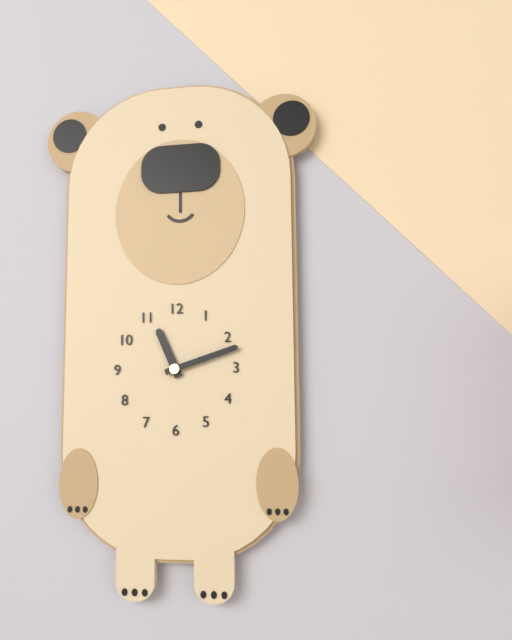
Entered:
11:12
